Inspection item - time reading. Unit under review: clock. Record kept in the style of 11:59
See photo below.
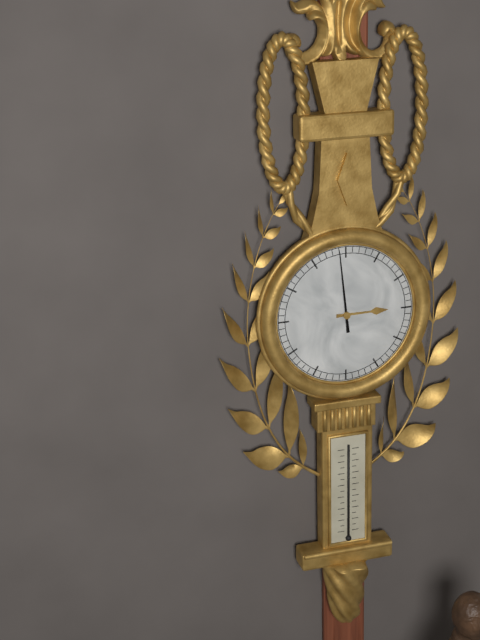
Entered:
2:59
